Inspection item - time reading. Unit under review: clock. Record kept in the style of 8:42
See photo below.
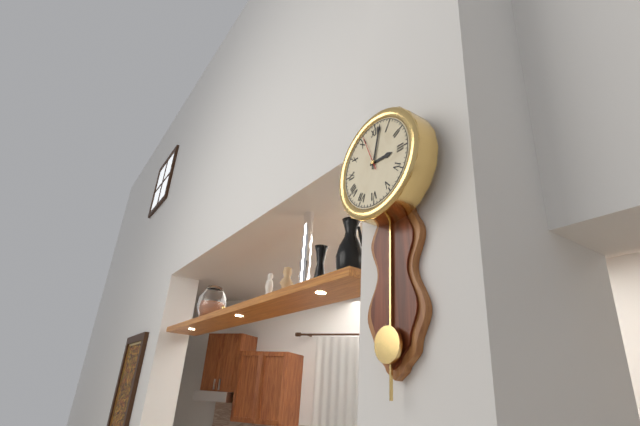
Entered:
3:02
